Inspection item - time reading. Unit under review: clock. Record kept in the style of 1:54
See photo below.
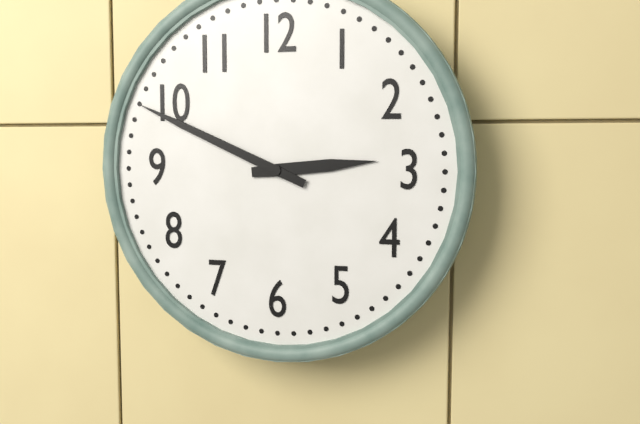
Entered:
2:49
